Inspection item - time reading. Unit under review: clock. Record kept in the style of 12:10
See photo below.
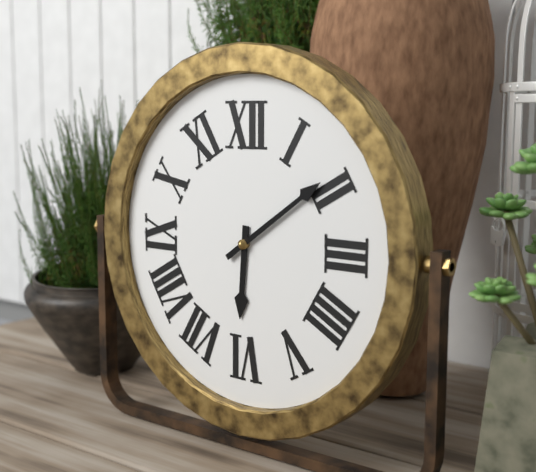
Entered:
6:09
